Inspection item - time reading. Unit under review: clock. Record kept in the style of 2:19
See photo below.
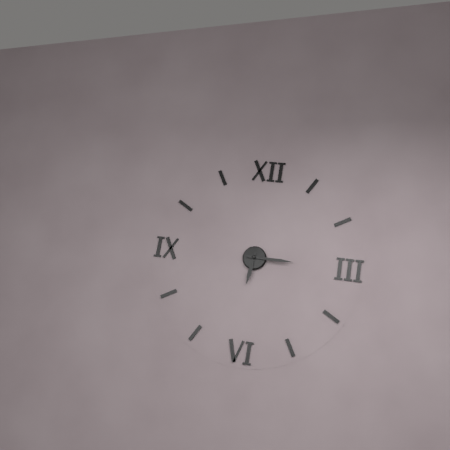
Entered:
6:15
